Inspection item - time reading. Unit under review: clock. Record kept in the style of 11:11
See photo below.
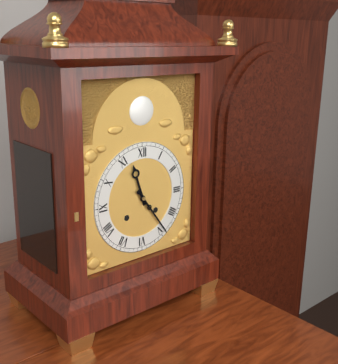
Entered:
11:24
